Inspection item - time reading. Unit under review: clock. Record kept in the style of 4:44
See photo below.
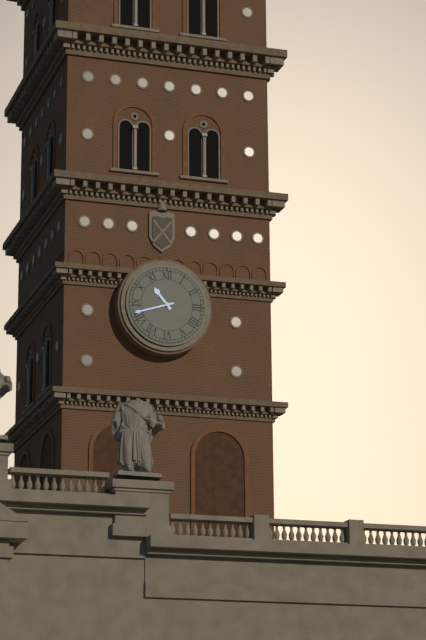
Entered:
10:42
